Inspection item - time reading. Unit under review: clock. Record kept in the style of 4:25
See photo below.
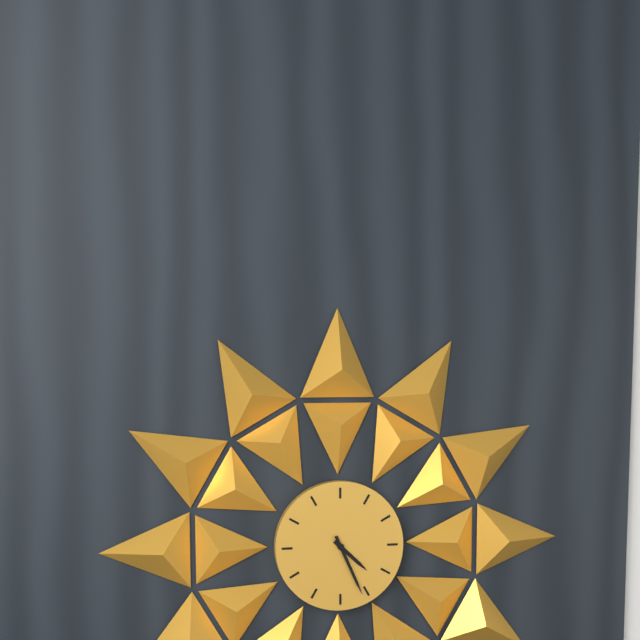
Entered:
4:26
